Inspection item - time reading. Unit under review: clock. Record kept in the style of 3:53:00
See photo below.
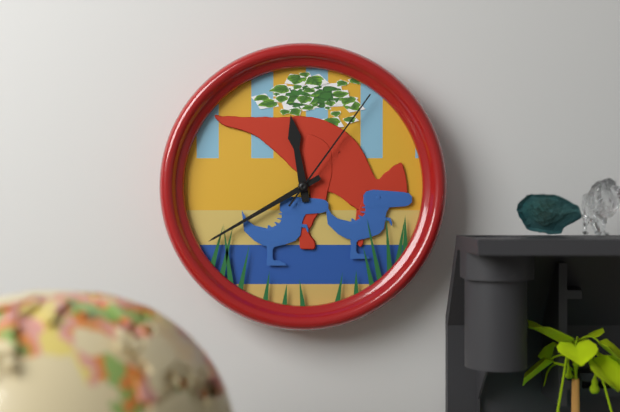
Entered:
11:40:06
